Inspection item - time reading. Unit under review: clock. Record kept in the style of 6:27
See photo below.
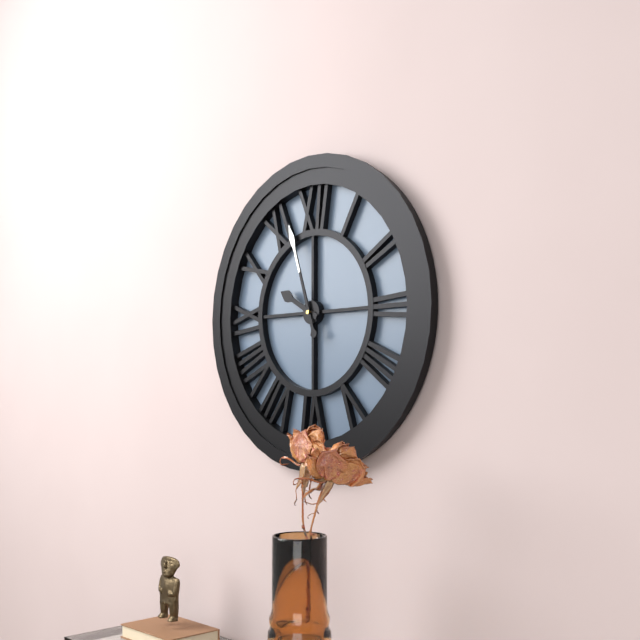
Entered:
9:57
